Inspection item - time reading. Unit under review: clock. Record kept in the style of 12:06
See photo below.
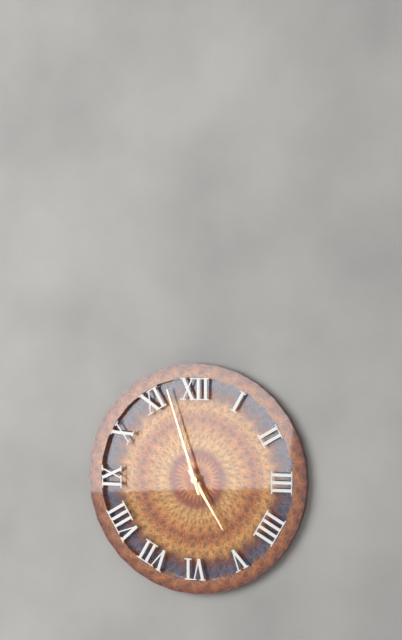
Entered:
4:57
